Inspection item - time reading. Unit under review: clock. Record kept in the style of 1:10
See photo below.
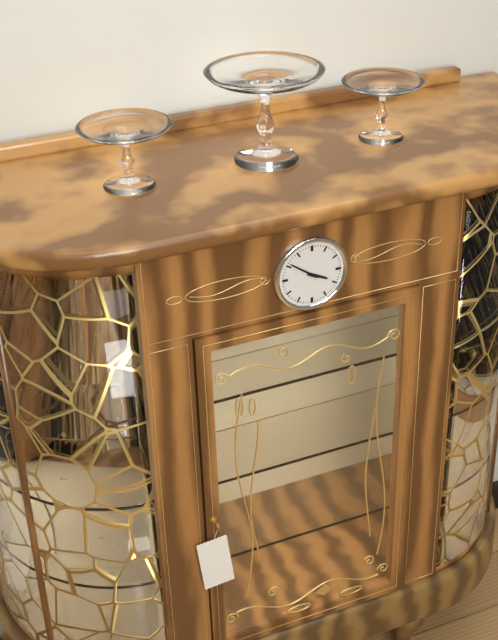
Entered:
3:51
